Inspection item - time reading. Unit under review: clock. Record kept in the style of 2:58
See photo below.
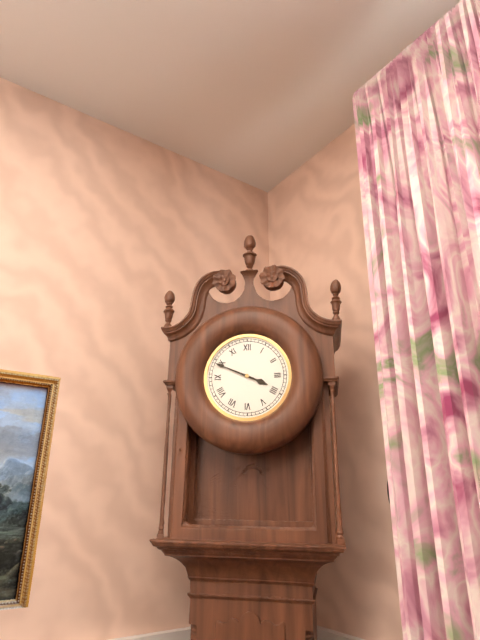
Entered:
3:49
